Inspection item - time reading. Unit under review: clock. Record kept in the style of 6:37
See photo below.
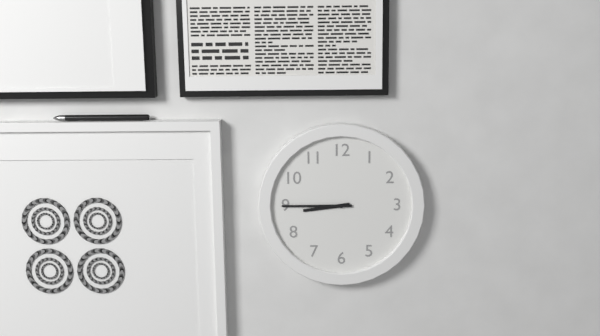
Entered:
8:45
